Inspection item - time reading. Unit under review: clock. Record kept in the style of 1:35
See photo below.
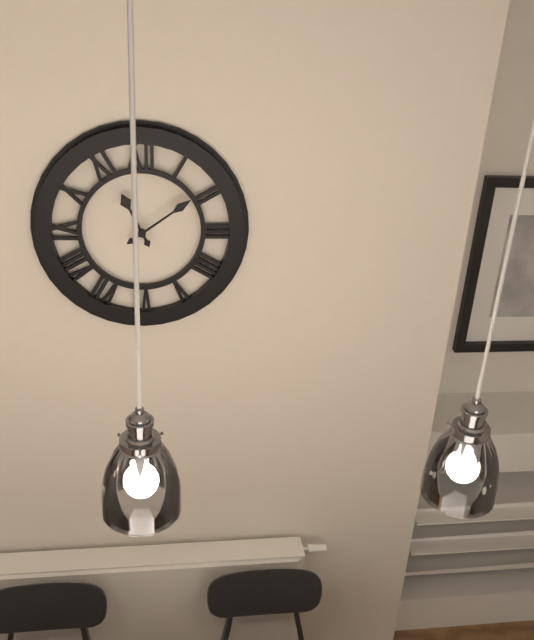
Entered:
11:09
